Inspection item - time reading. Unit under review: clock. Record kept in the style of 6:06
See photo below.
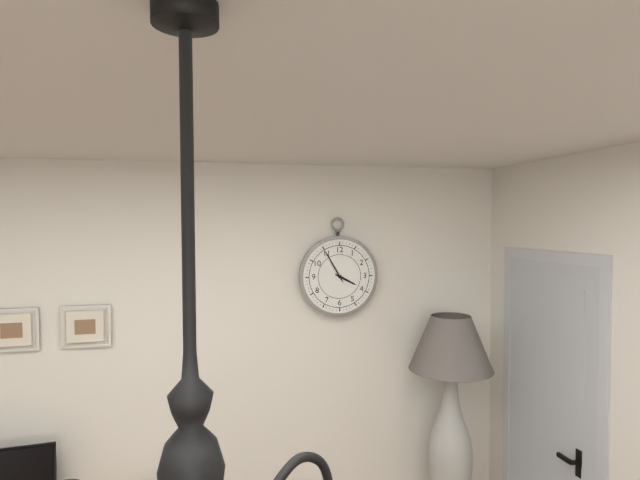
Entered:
3:55
